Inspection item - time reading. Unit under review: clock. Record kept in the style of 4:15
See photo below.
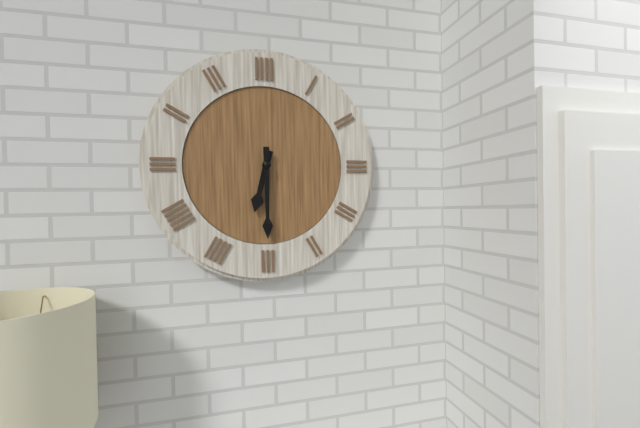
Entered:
6:30
